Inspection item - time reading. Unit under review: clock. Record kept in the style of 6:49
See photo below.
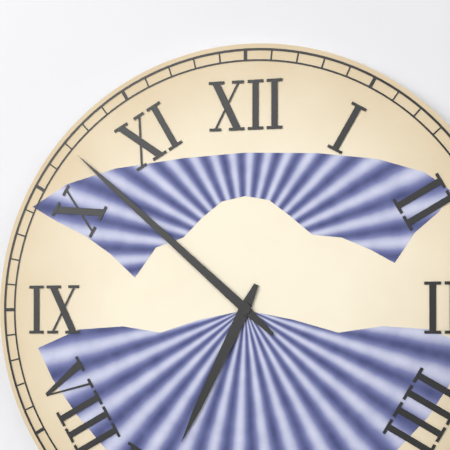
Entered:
6:52
